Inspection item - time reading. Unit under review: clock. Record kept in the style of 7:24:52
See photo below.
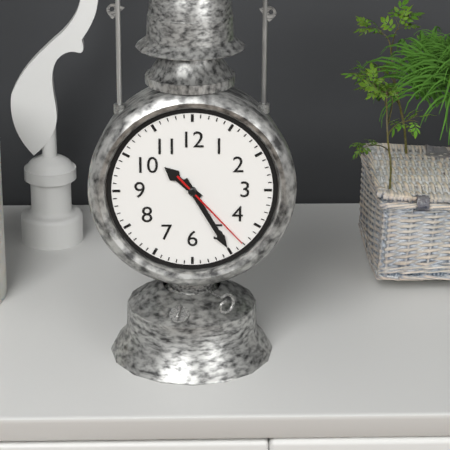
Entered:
10:25:23
